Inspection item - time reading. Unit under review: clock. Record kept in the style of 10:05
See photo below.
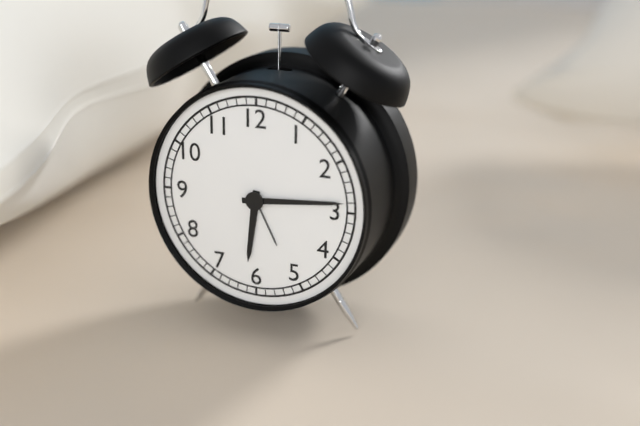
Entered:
6:14
